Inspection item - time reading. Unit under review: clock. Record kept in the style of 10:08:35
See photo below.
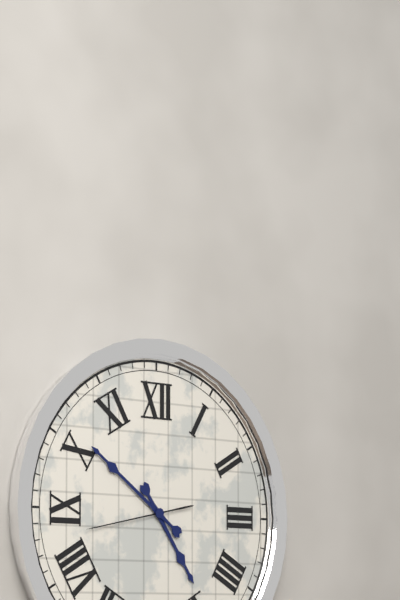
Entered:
4:51:43
